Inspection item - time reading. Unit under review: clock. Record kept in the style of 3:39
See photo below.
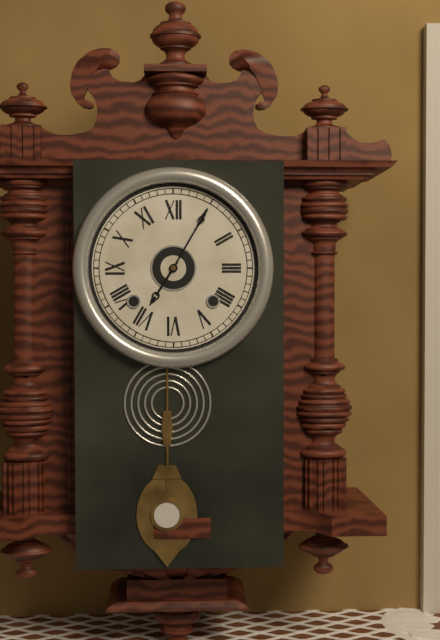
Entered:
7:05
